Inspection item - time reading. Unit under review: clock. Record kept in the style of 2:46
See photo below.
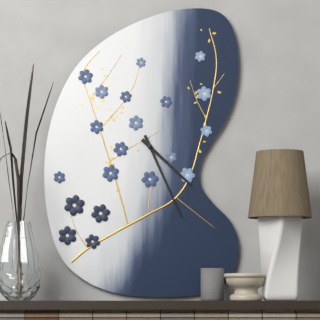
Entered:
4:26
